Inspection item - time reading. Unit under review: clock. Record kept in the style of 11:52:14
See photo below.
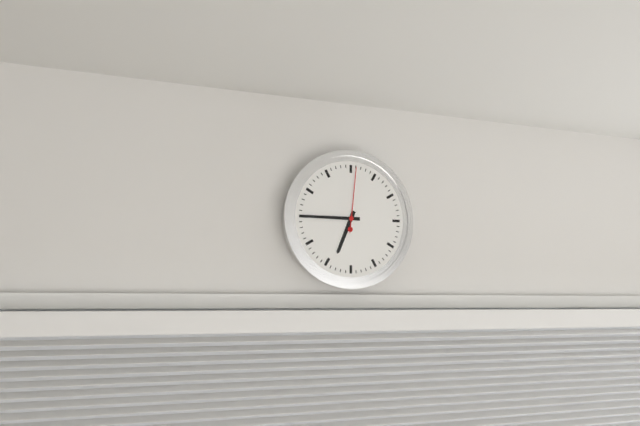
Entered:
6:45:01
